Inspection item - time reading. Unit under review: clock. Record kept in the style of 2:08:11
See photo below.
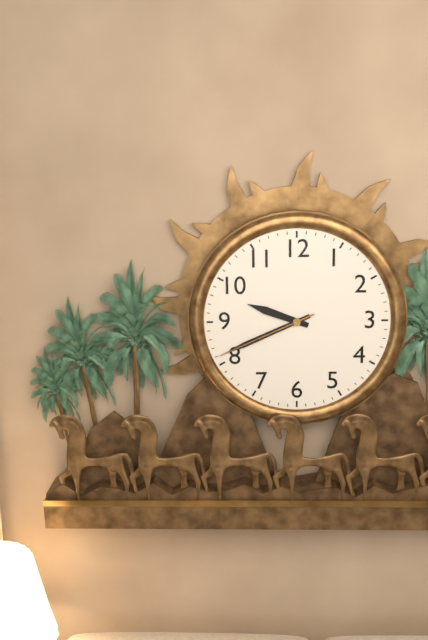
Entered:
9:41:41
